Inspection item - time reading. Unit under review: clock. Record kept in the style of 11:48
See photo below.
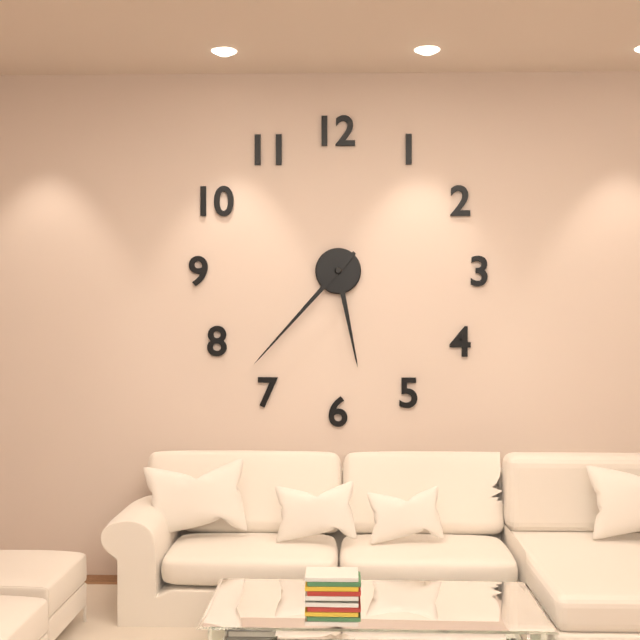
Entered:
5:37
